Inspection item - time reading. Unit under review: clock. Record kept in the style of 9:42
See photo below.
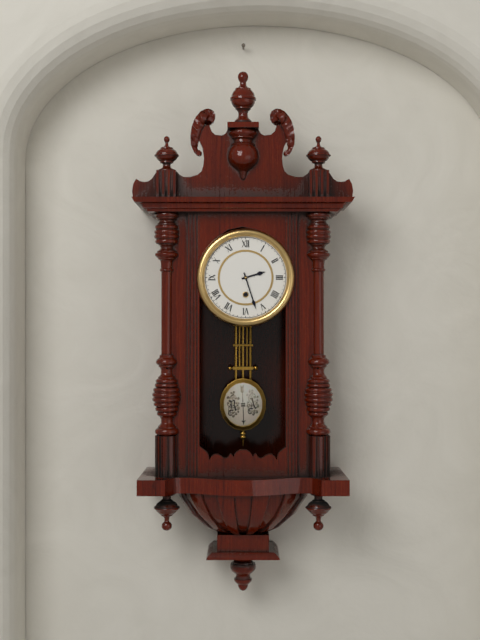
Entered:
2:27
